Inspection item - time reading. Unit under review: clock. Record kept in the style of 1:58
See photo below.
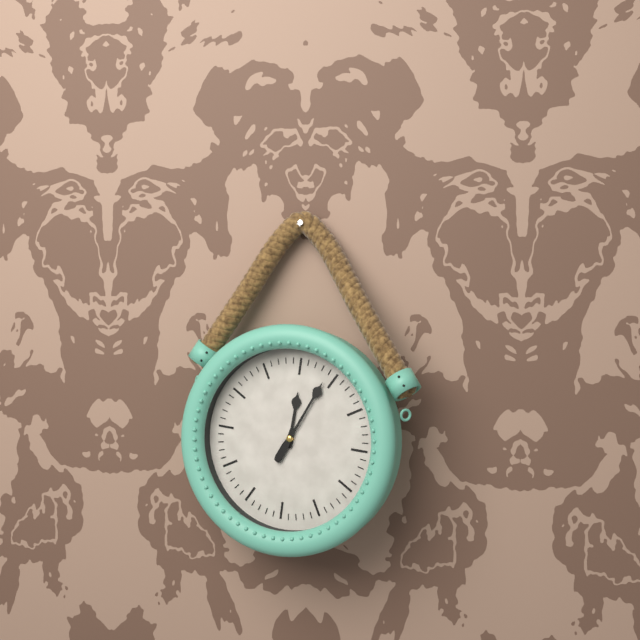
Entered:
12:04
